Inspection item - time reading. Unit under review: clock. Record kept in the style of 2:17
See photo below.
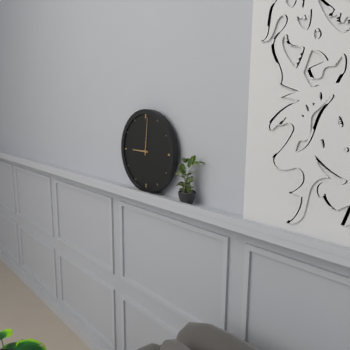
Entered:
9:01
